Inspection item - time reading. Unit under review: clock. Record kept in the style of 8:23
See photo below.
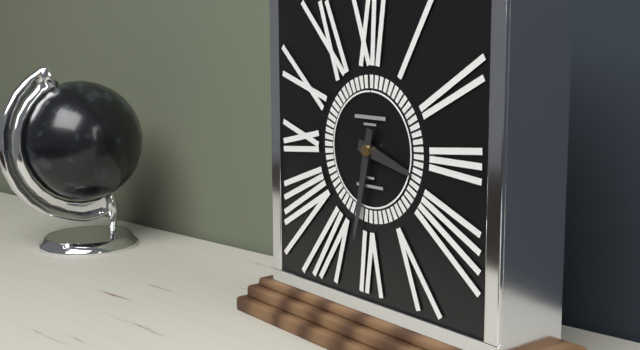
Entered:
3:32
